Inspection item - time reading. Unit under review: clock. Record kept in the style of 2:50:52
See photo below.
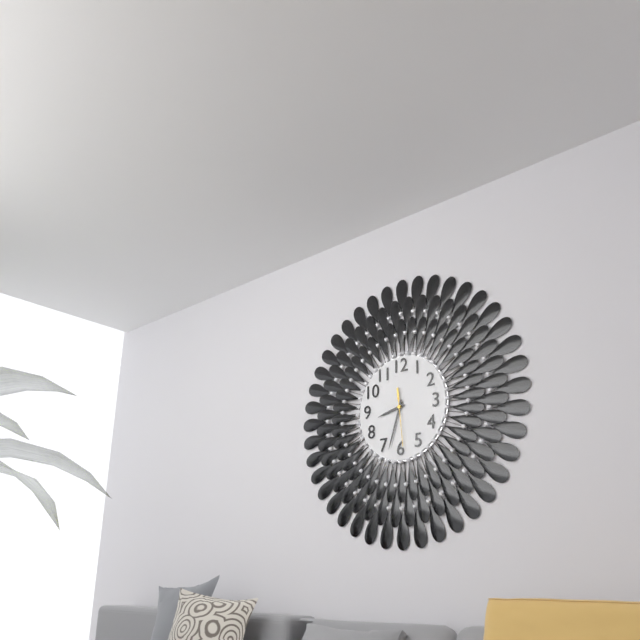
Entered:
8:33:29
